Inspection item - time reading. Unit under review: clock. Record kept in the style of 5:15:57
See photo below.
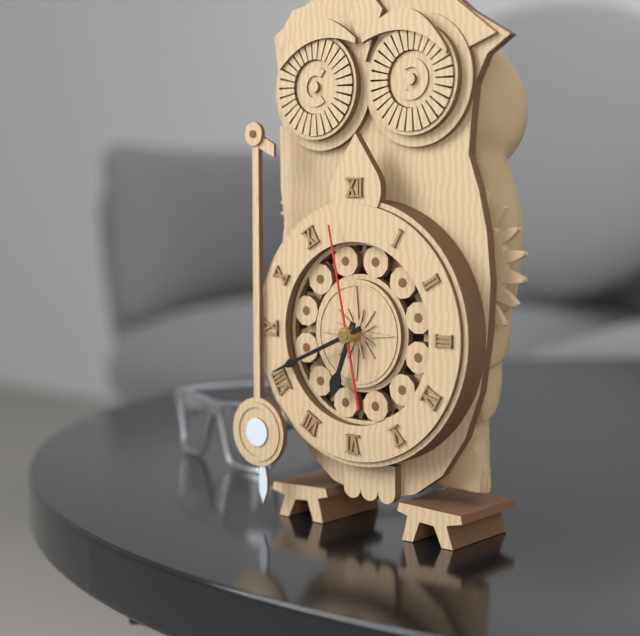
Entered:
6:41:58
